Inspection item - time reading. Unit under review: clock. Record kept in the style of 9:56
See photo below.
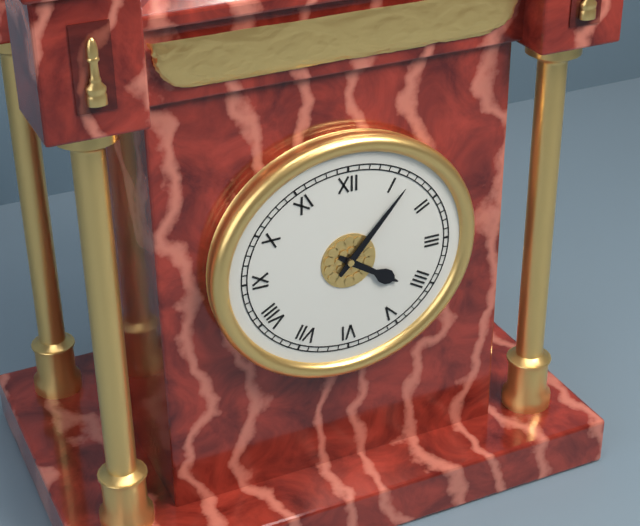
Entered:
4:07
